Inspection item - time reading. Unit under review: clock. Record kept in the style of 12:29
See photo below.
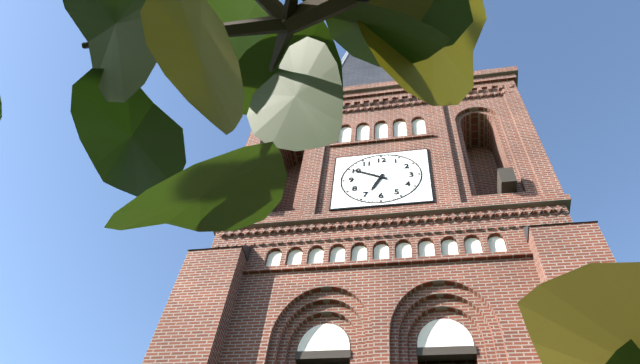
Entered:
6:50
